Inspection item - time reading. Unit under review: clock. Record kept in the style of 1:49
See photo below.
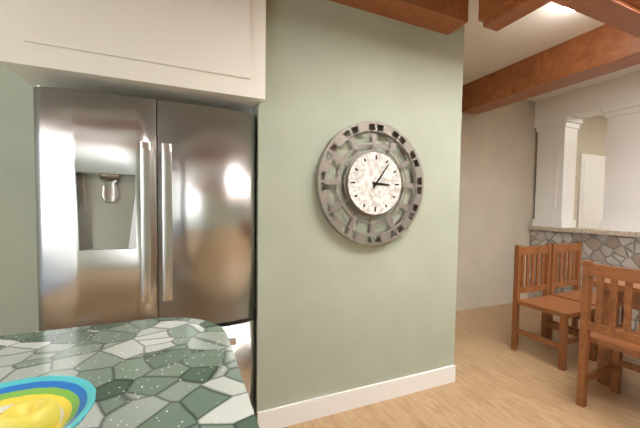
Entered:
3:06
